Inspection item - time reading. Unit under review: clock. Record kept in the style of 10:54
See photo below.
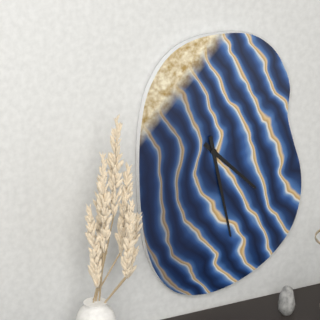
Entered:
4:28
